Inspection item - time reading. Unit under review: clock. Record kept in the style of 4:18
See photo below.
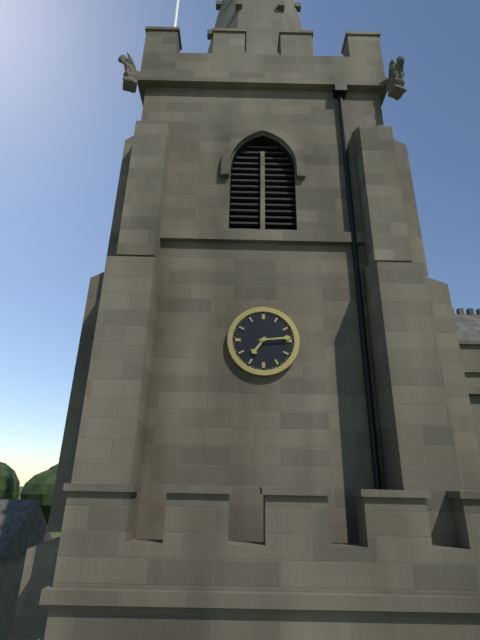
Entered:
7:14
